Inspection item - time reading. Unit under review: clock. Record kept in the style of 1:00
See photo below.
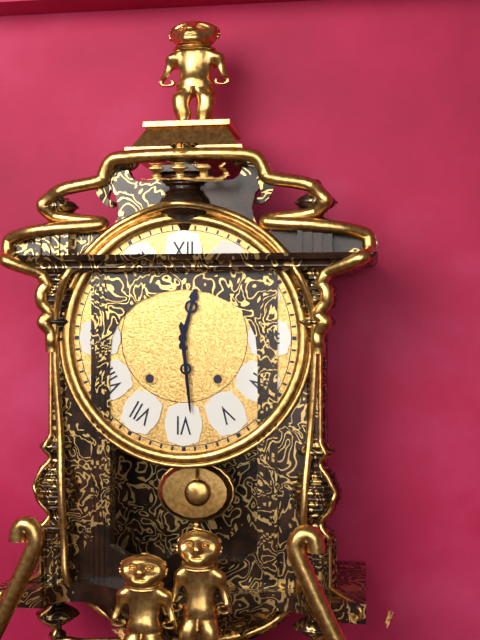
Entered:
12:29
